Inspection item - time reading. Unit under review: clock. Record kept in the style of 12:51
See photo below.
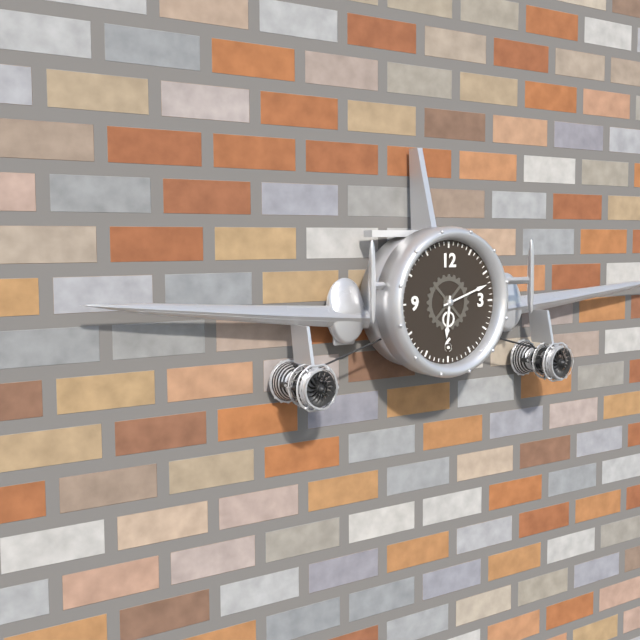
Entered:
6:12
